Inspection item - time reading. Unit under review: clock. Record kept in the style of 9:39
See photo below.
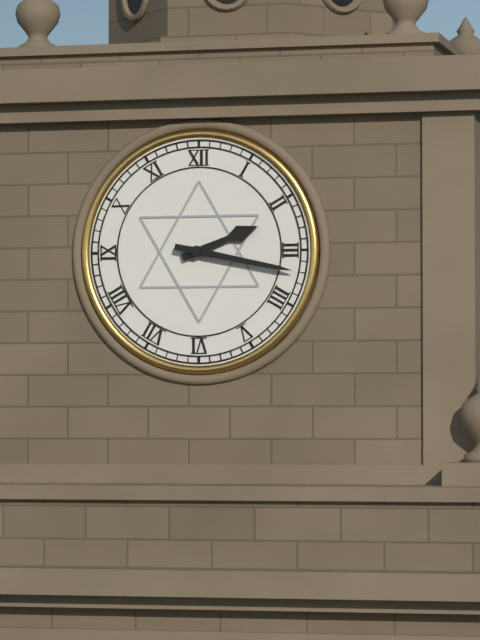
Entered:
2:17
